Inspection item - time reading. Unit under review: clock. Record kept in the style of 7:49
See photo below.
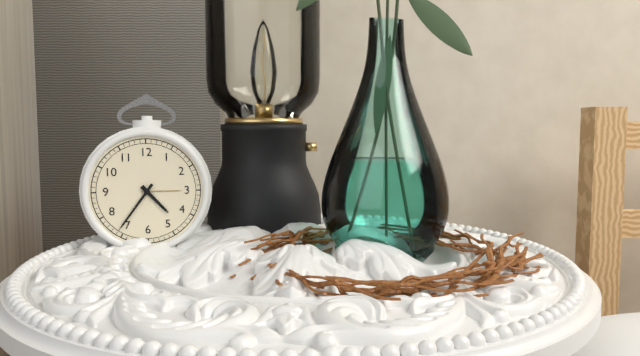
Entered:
4:36
